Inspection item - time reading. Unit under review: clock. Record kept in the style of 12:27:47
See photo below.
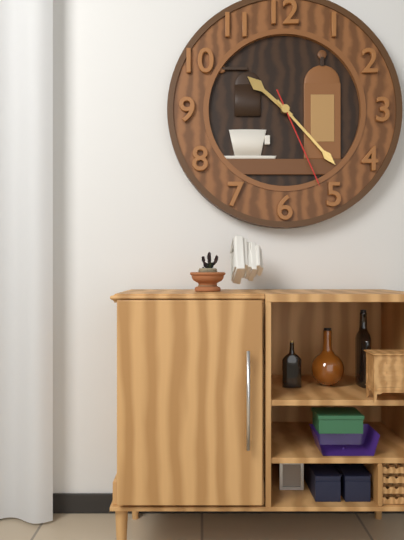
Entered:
10:23:26
